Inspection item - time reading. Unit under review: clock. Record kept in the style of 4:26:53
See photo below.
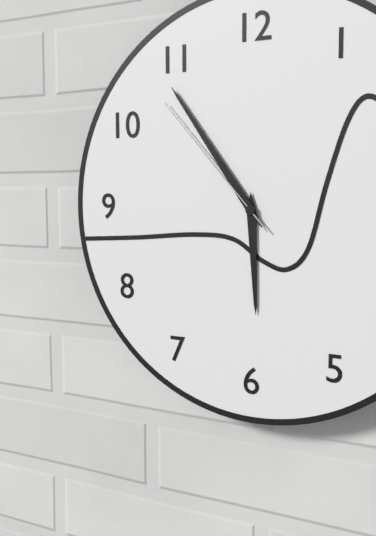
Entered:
5:54:53
